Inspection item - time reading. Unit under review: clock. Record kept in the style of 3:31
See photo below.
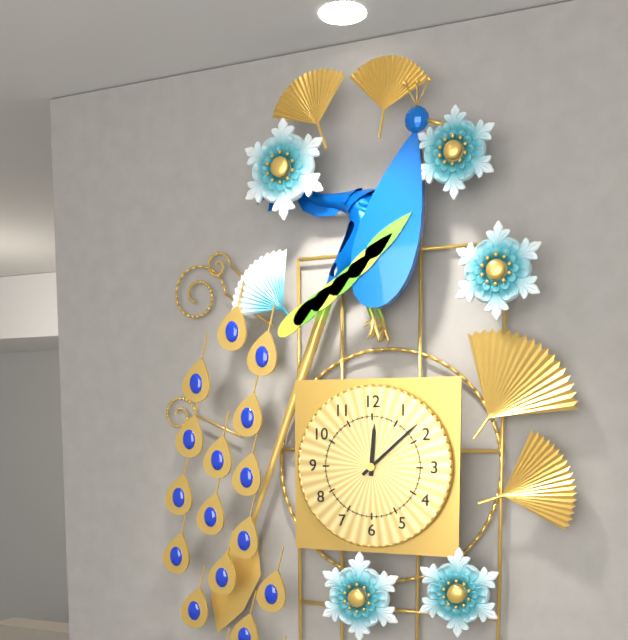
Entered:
12:08
